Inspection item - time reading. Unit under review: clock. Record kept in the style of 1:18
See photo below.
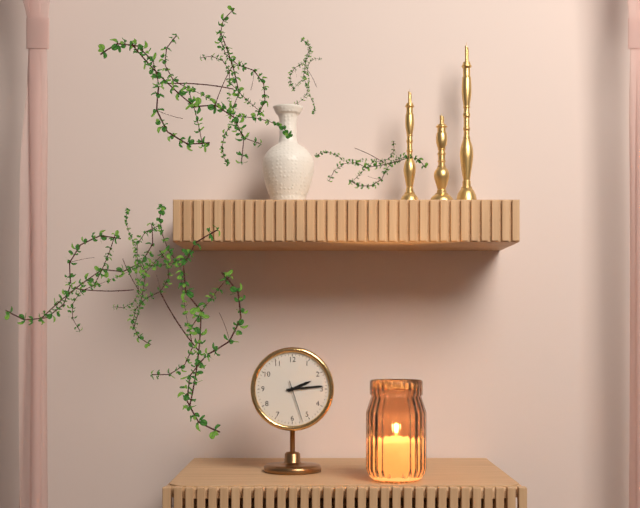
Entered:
2:14
